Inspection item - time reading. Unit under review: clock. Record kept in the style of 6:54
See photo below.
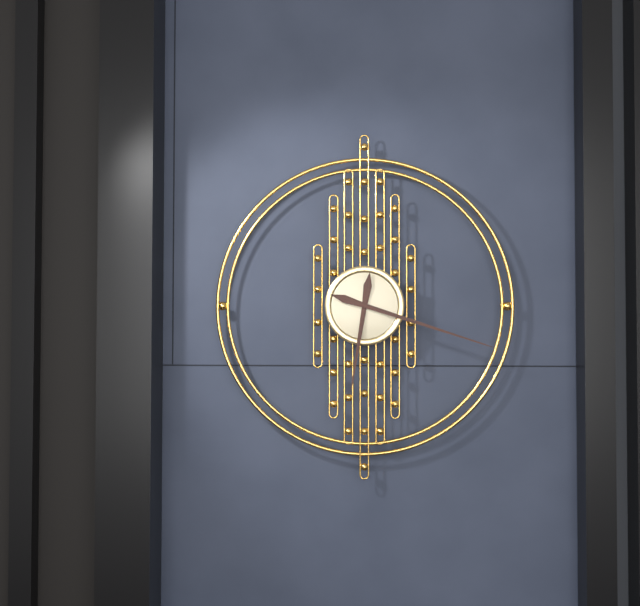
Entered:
6:18
